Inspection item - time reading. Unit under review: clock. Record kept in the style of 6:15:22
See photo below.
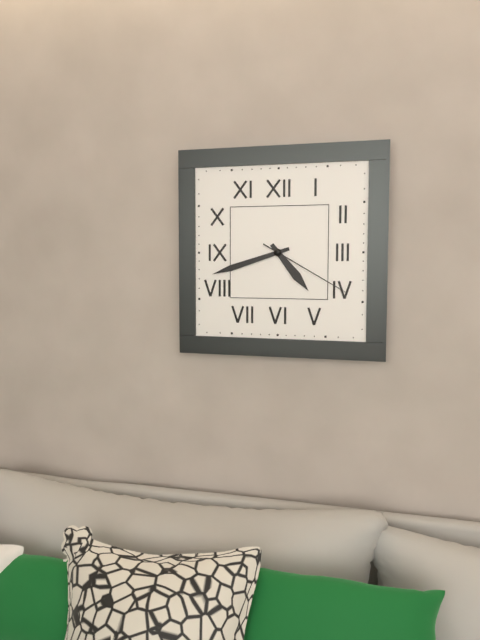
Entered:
4:42:20
